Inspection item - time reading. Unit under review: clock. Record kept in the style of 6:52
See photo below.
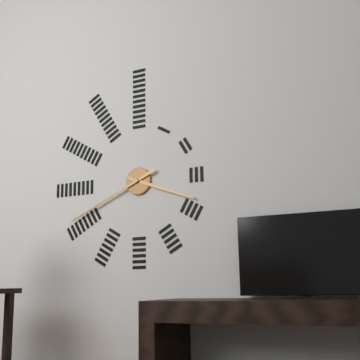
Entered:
3:41
